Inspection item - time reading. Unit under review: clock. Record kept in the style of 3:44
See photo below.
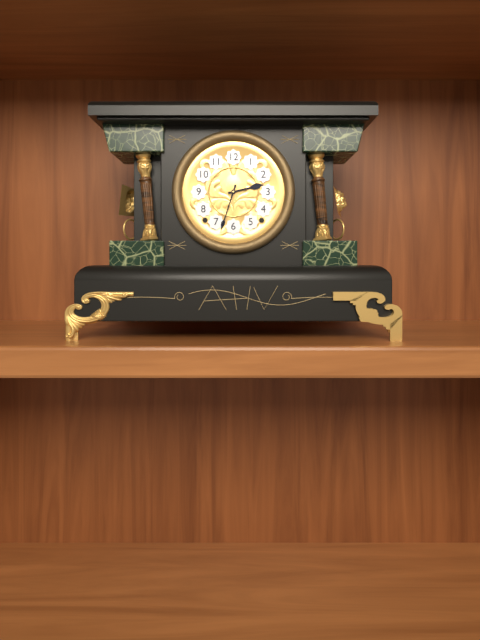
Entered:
2:33
